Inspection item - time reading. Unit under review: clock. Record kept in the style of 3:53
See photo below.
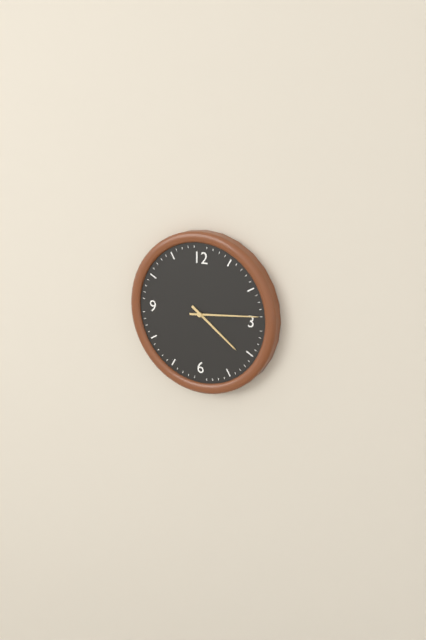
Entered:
4:14
